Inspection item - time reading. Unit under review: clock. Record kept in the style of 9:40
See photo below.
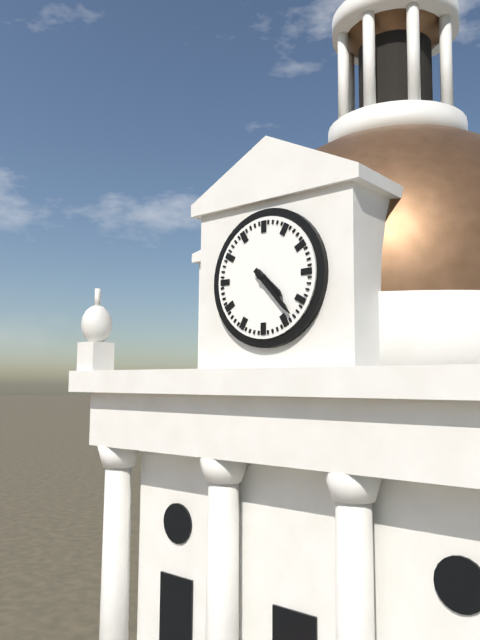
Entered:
4:23
